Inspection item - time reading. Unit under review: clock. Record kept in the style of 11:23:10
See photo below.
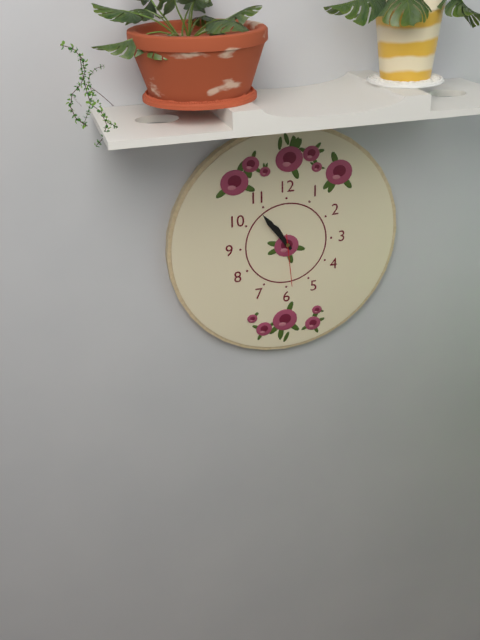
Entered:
10:54:29
